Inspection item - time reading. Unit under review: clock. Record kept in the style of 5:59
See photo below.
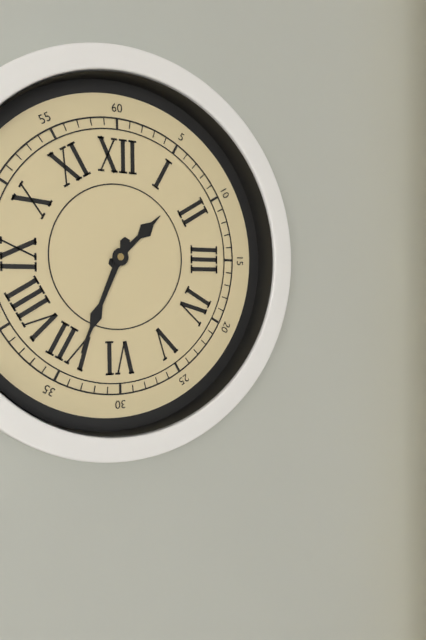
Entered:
1:34
